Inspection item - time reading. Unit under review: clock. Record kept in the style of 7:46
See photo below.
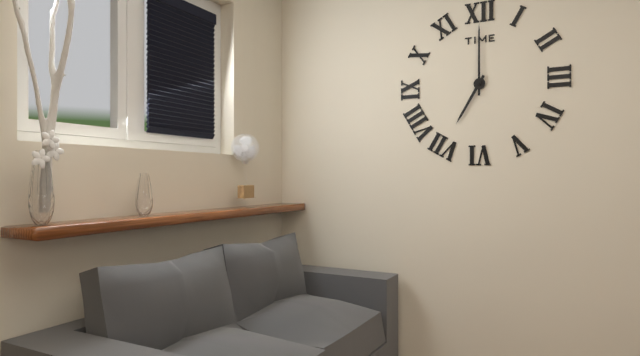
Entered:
7:00
